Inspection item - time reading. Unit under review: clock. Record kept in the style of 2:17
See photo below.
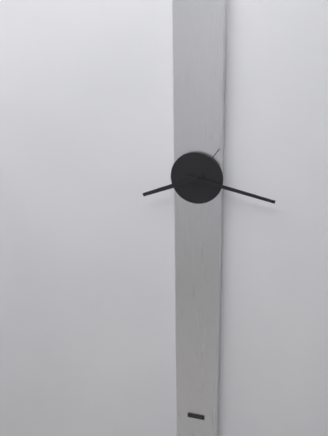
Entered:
8:17
